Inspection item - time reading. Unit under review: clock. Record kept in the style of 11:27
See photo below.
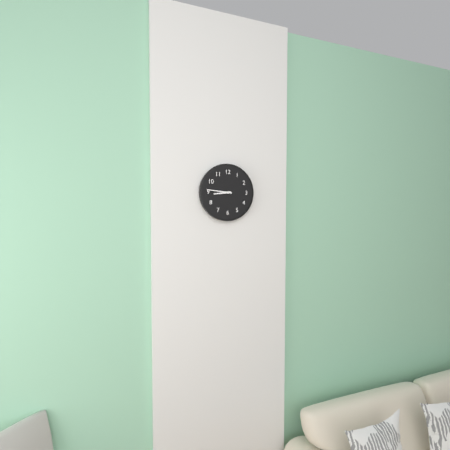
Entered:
8:46
